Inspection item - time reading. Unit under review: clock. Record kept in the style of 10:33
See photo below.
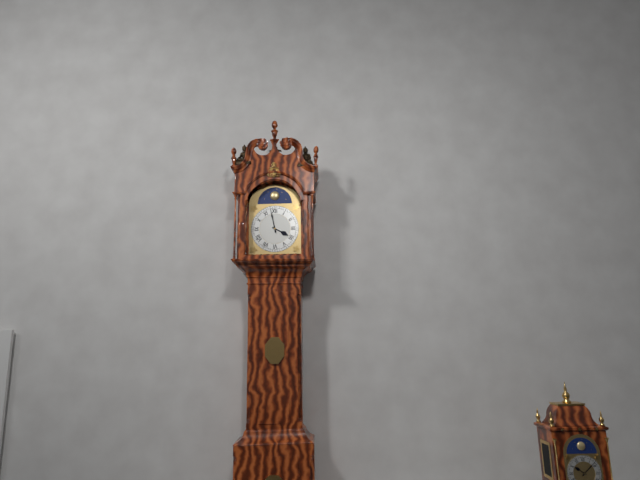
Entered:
3:58
